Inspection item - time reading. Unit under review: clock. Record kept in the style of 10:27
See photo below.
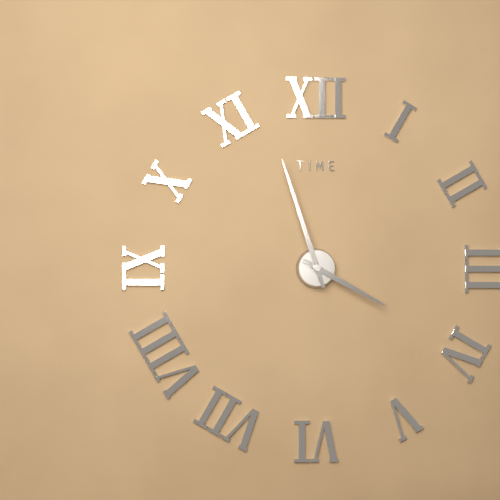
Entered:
3:57
